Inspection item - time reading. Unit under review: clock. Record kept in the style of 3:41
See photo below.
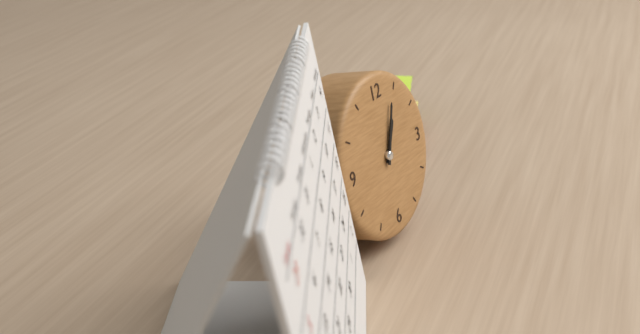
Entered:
1:04
